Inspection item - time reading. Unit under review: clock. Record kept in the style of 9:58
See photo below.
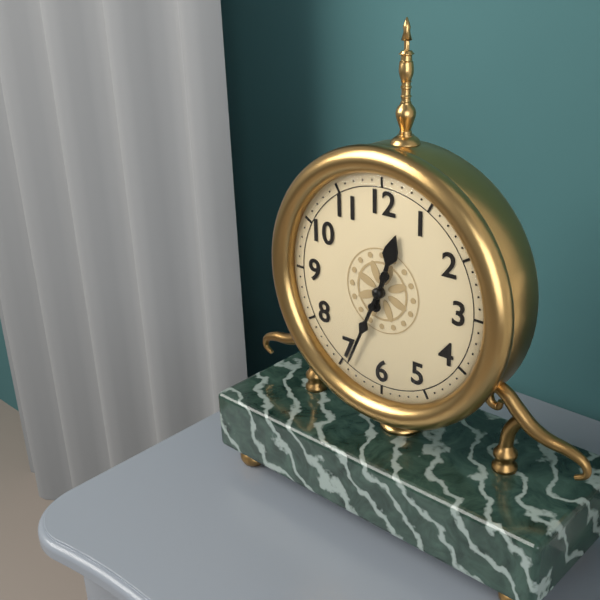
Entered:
12:34
